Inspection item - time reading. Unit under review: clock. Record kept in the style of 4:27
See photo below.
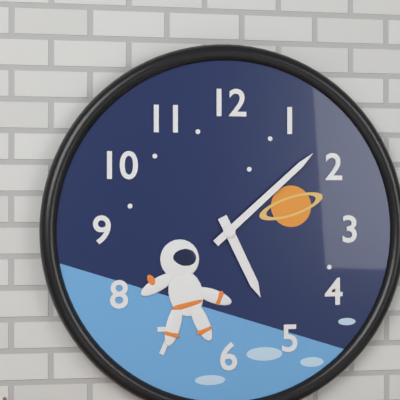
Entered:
5:08
